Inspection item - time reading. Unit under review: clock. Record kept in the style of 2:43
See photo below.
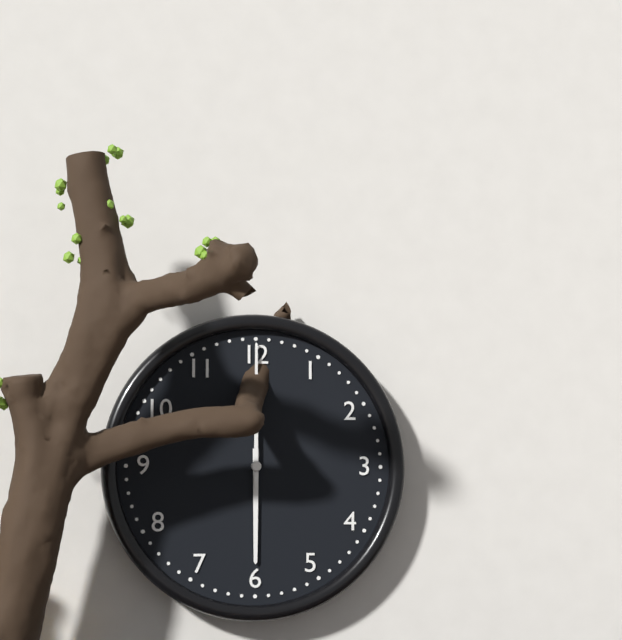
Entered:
6:00
